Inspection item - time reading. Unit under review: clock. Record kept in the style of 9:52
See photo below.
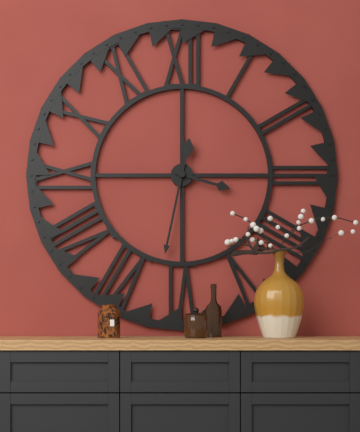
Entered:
3:32
